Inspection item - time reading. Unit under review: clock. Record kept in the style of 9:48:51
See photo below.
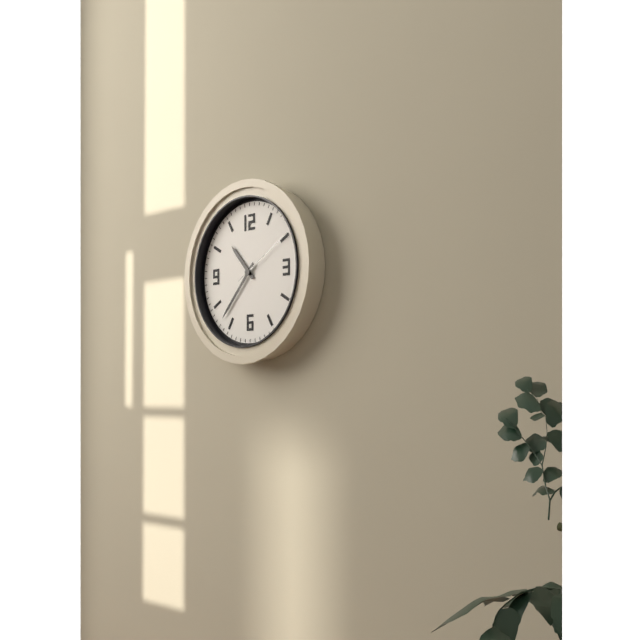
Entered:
10:37:10
